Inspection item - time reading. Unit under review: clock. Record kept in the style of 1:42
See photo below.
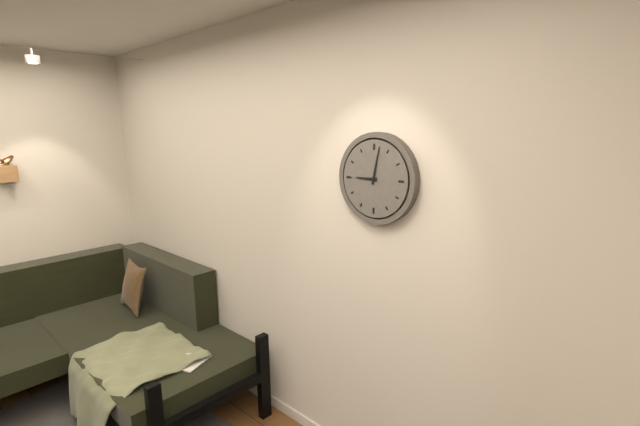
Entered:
9:02
